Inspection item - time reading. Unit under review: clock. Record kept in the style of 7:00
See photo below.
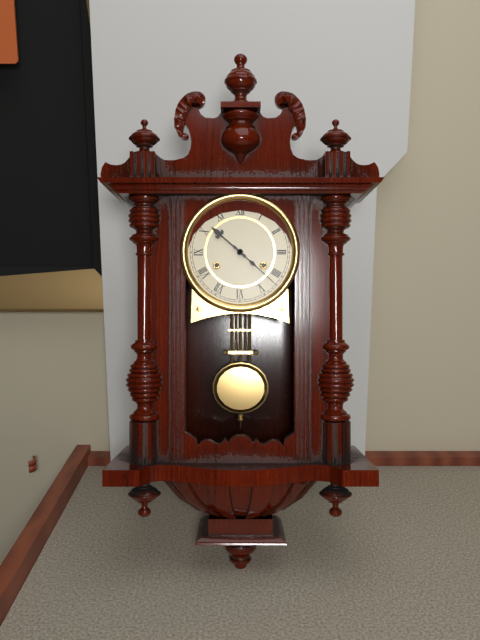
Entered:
10:22
